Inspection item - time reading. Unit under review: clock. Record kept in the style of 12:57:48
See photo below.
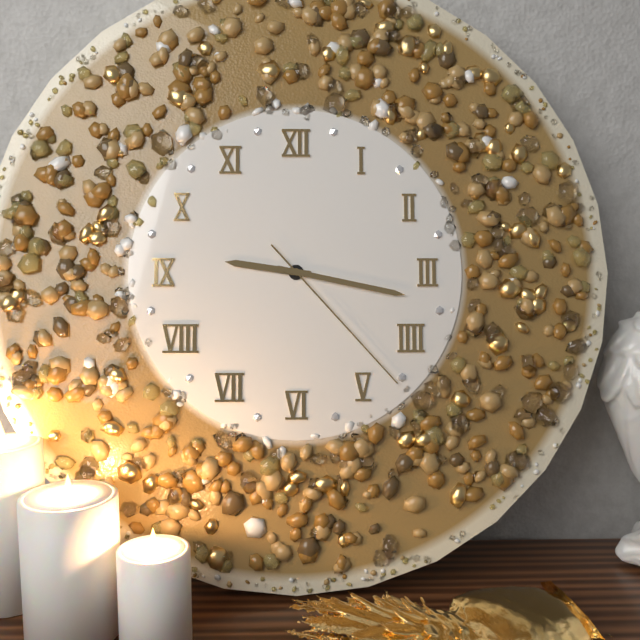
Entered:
9:17:23
